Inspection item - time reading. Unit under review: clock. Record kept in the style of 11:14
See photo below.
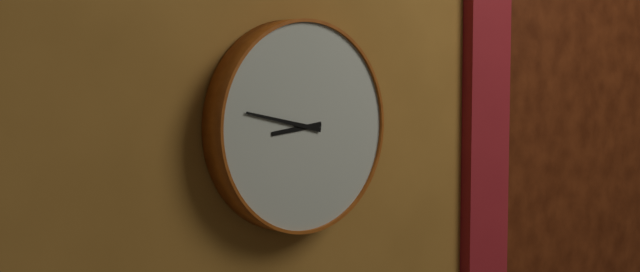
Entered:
8:47
